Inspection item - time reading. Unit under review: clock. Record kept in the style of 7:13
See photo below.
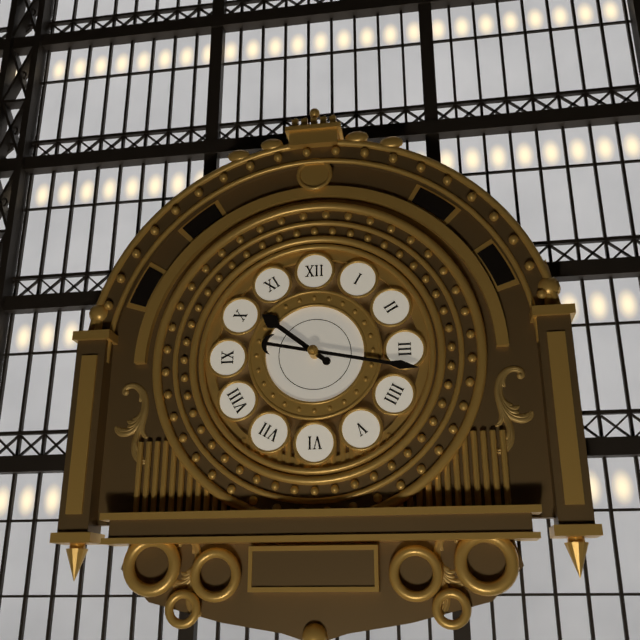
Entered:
10:17
